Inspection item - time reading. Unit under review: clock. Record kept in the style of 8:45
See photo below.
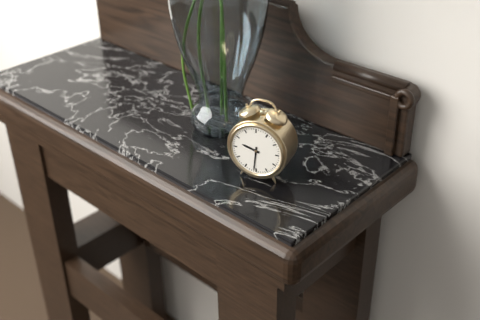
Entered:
9:31
